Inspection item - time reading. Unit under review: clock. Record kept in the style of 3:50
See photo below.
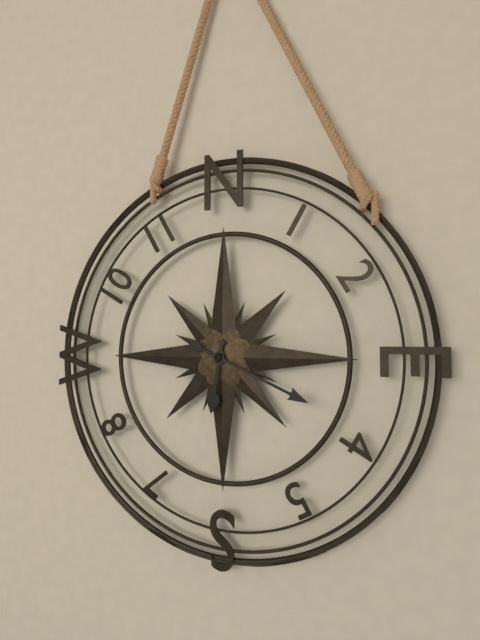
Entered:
6:19
